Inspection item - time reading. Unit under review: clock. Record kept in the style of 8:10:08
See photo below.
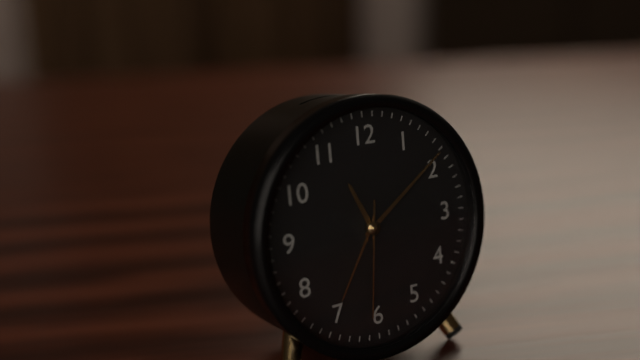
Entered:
11:09:31
